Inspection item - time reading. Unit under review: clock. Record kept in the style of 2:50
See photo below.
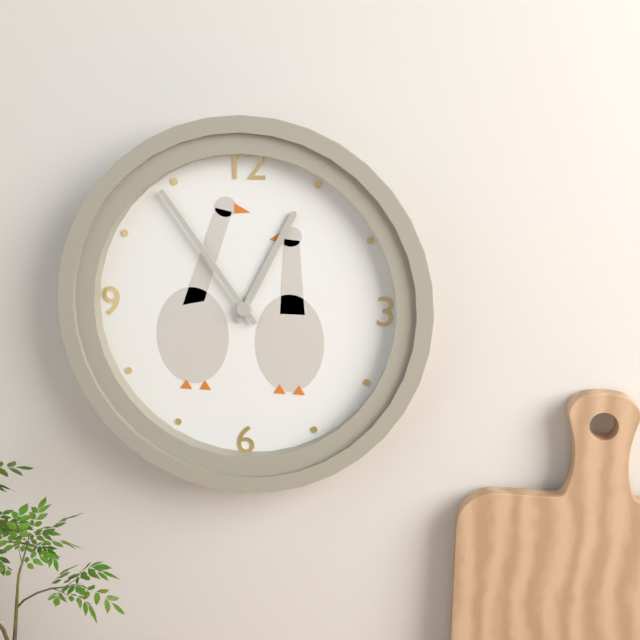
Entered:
12:54
